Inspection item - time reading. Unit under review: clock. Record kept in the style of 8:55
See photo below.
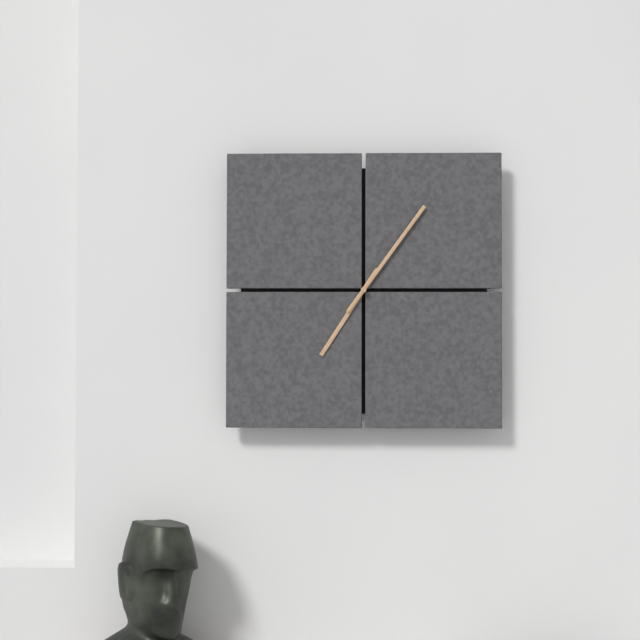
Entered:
7:06
